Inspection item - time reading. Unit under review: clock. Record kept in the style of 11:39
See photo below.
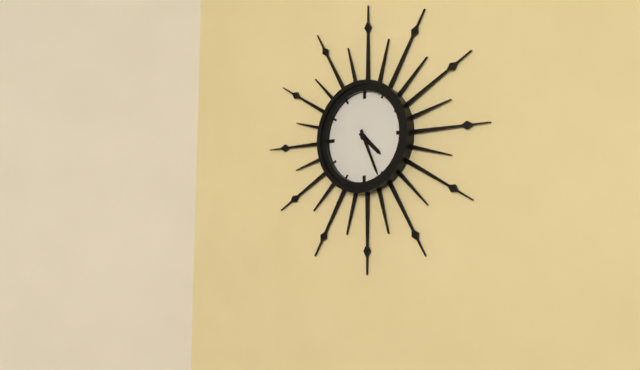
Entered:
4:26
